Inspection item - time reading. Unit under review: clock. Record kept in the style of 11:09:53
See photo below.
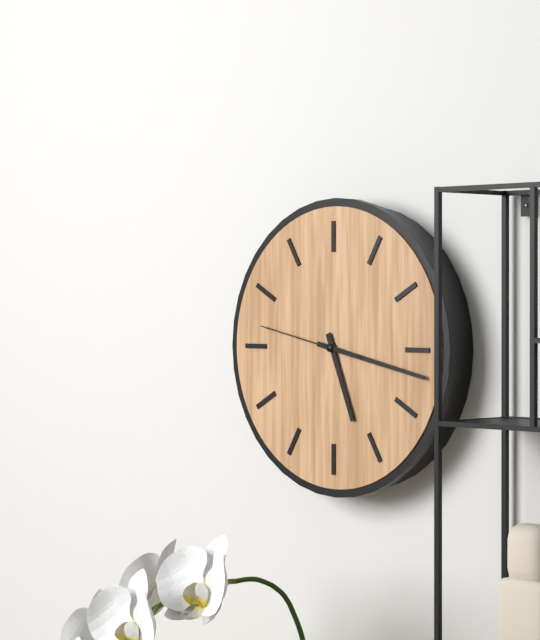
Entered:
5:17:47
